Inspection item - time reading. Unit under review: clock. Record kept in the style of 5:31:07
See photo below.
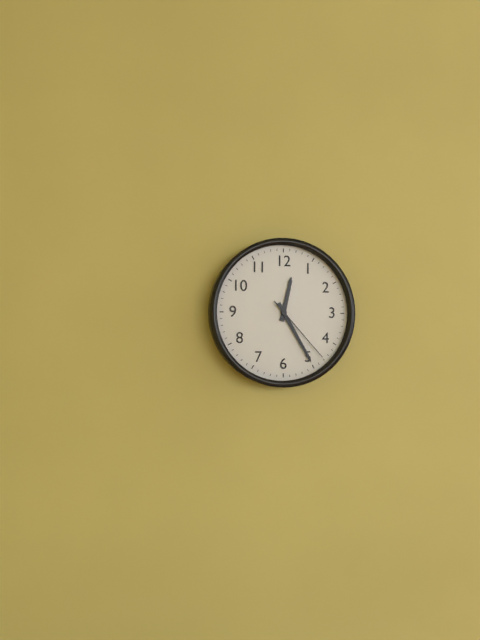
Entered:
12:25:23
